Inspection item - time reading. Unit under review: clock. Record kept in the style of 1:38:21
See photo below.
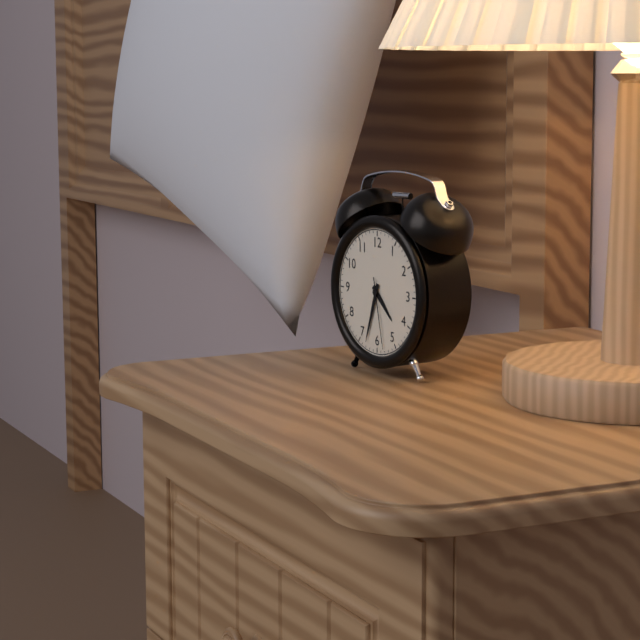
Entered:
4:33:28
